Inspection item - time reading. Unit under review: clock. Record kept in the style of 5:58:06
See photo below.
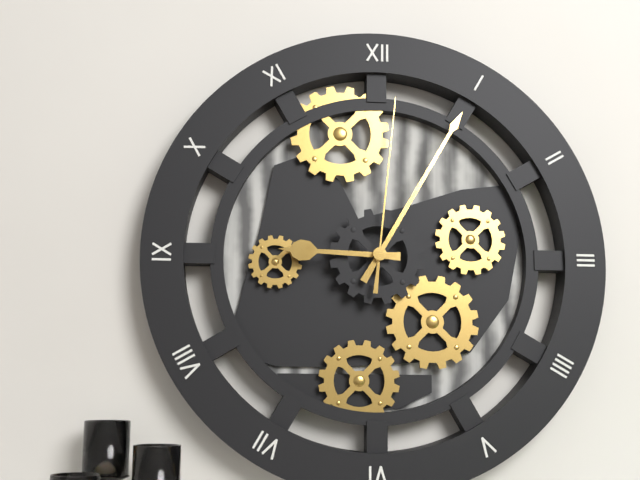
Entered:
9:05:01
